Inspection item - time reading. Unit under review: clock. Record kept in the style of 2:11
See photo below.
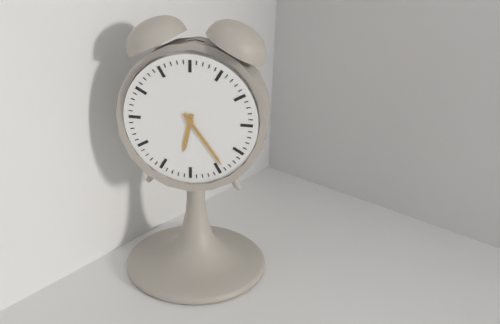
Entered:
6:24
